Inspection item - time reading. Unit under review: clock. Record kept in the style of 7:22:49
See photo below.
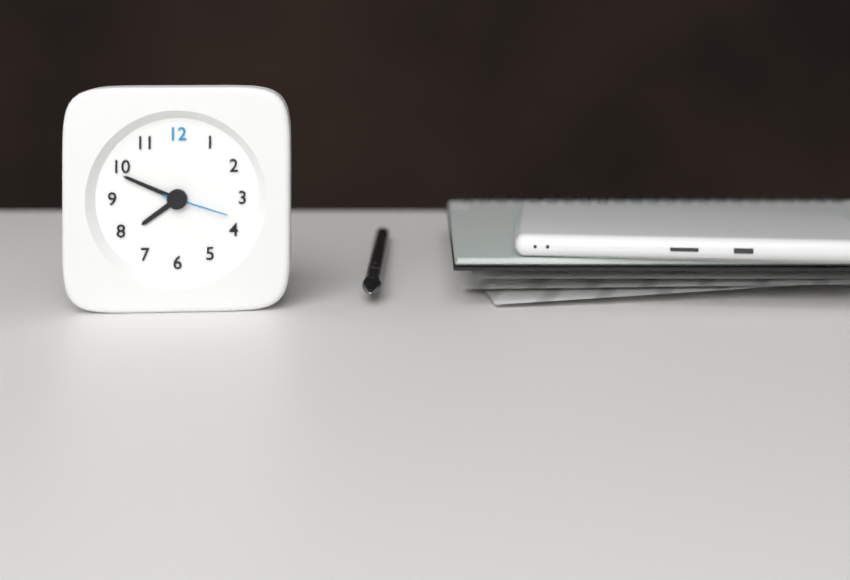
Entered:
7:49:18
